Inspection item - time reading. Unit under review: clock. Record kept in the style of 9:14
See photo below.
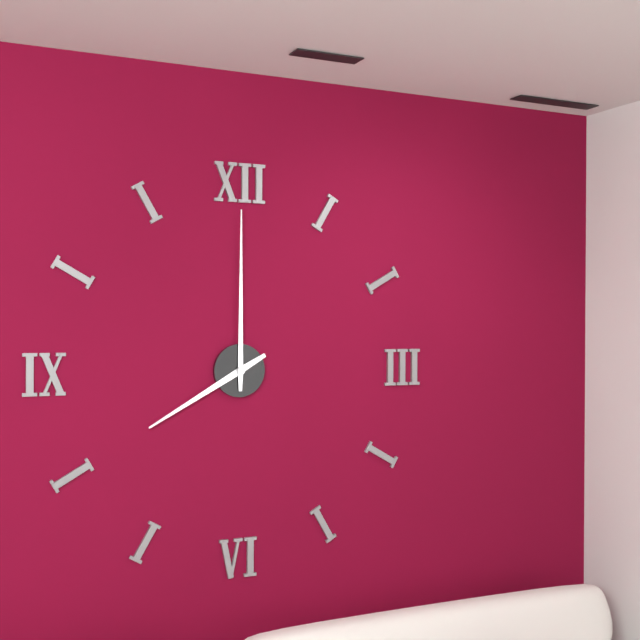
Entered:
8:00
